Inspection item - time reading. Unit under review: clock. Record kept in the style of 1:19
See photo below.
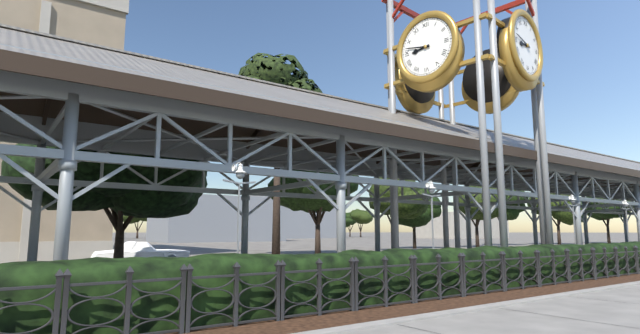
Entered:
8:47
